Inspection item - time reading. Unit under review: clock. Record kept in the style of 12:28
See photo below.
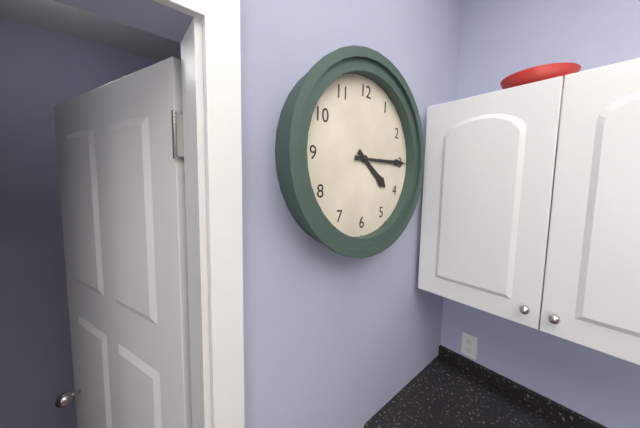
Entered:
4:15
